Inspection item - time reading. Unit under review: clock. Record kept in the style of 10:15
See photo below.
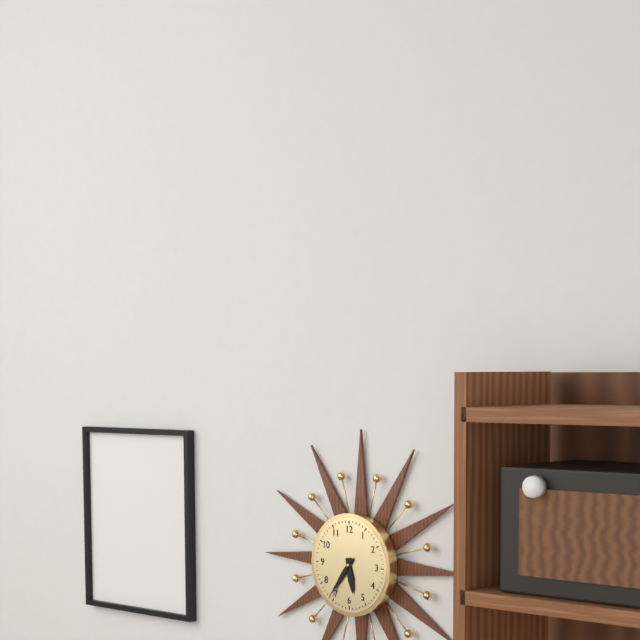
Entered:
5:36
